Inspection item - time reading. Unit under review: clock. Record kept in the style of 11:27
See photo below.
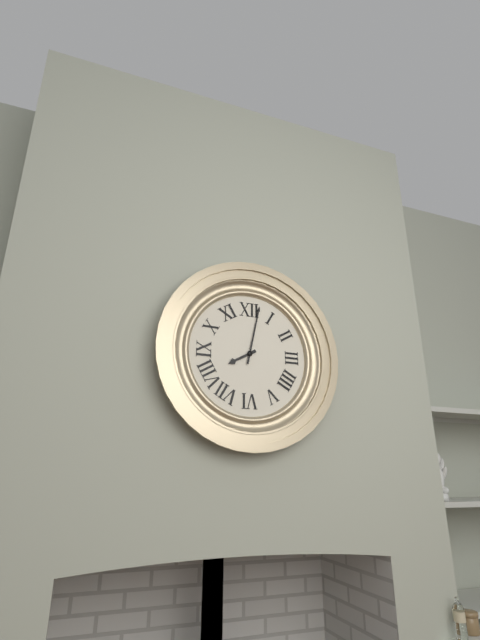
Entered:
8:02
